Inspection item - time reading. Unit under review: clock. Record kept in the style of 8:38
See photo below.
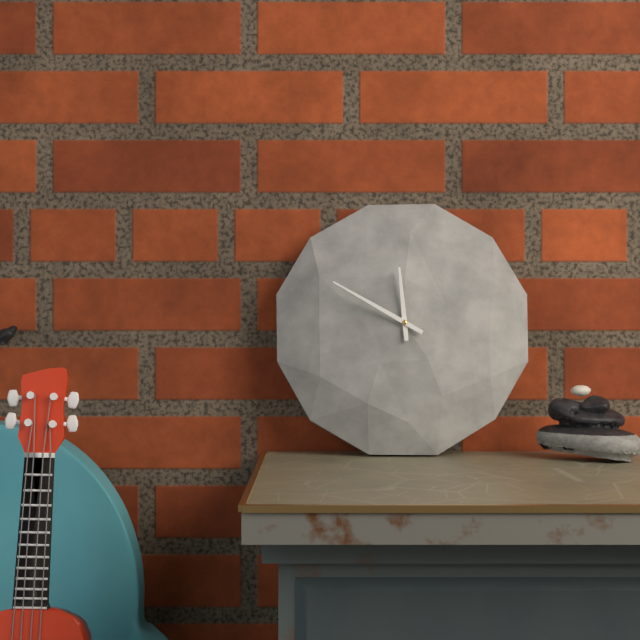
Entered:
11:50
